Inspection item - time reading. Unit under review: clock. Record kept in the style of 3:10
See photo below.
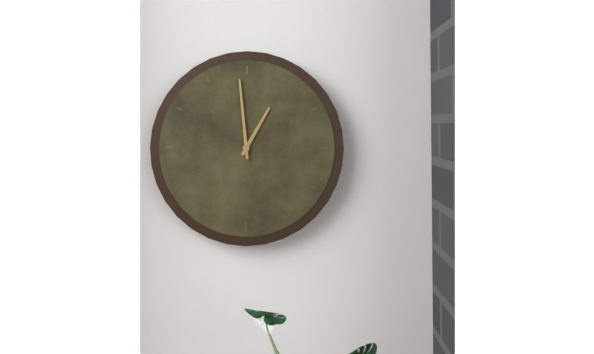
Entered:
12:59
